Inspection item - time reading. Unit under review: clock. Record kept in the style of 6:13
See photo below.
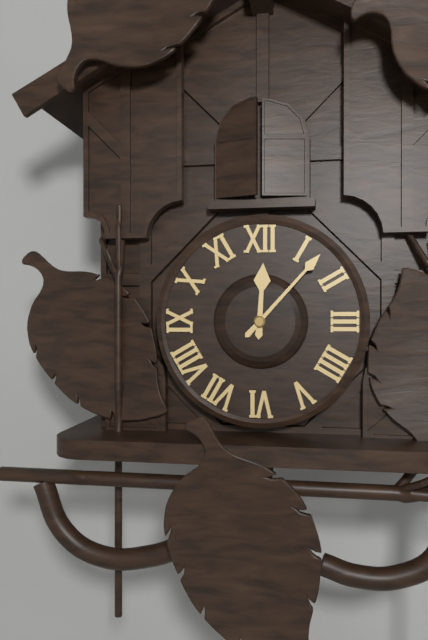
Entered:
12:07
